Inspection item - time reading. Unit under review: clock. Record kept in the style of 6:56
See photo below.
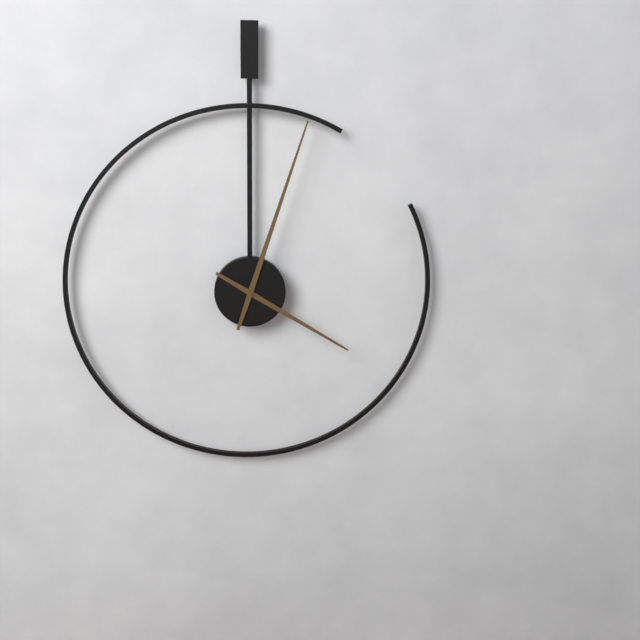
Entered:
4:03
